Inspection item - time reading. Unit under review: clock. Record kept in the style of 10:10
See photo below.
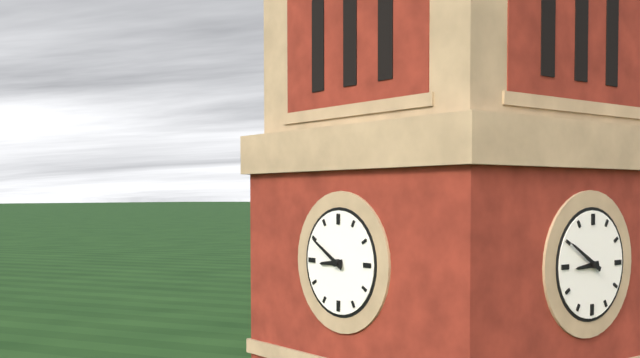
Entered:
8:50
